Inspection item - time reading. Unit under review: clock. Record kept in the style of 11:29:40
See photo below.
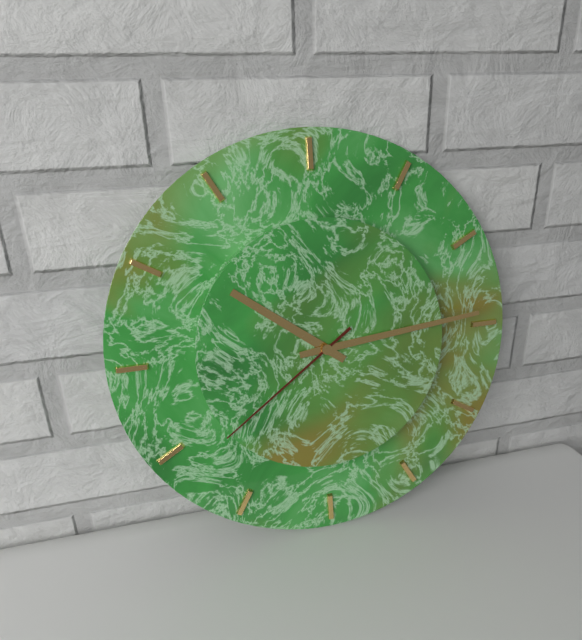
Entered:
10:14:39
